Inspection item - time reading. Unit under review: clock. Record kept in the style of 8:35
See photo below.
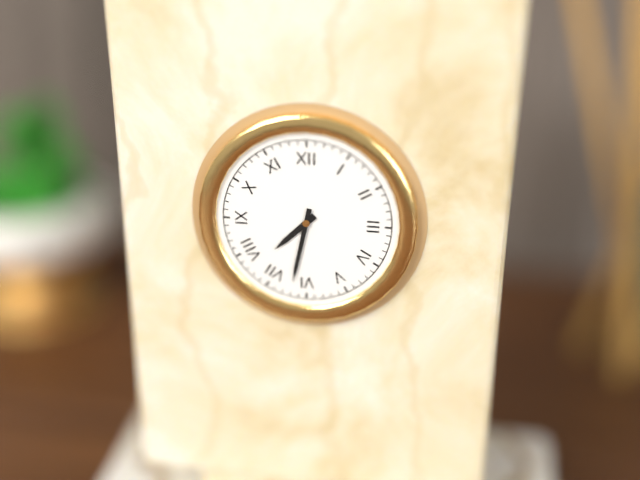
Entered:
7:32
